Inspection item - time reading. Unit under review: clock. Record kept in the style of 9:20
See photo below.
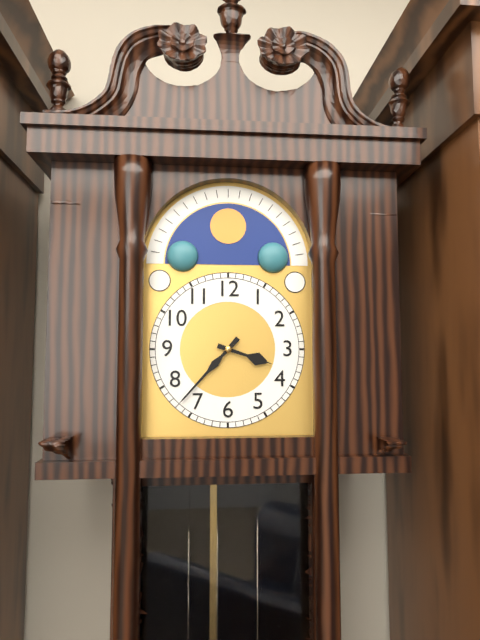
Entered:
3:37
